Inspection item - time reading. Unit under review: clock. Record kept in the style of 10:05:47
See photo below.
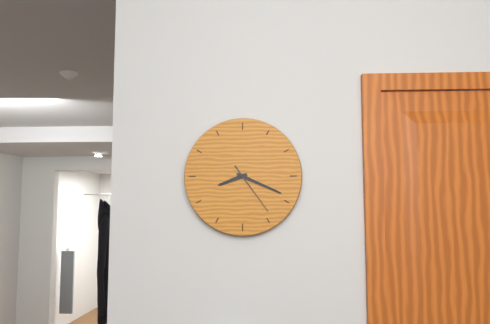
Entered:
8:19:24
